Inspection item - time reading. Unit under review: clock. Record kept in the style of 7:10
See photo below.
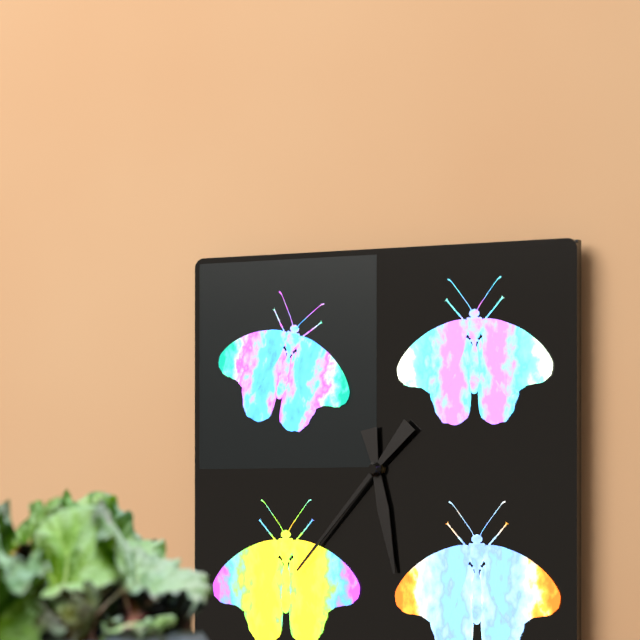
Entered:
5:37
